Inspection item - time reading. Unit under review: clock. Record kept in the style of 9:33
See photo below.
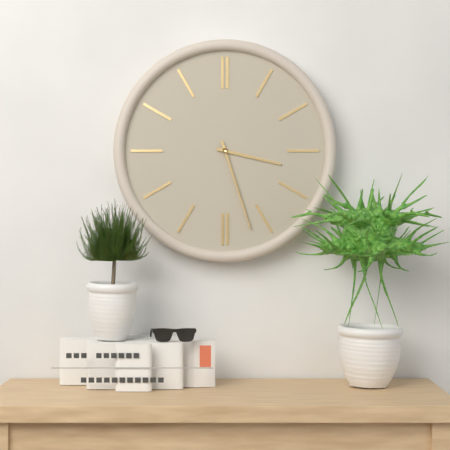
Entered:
3:27
